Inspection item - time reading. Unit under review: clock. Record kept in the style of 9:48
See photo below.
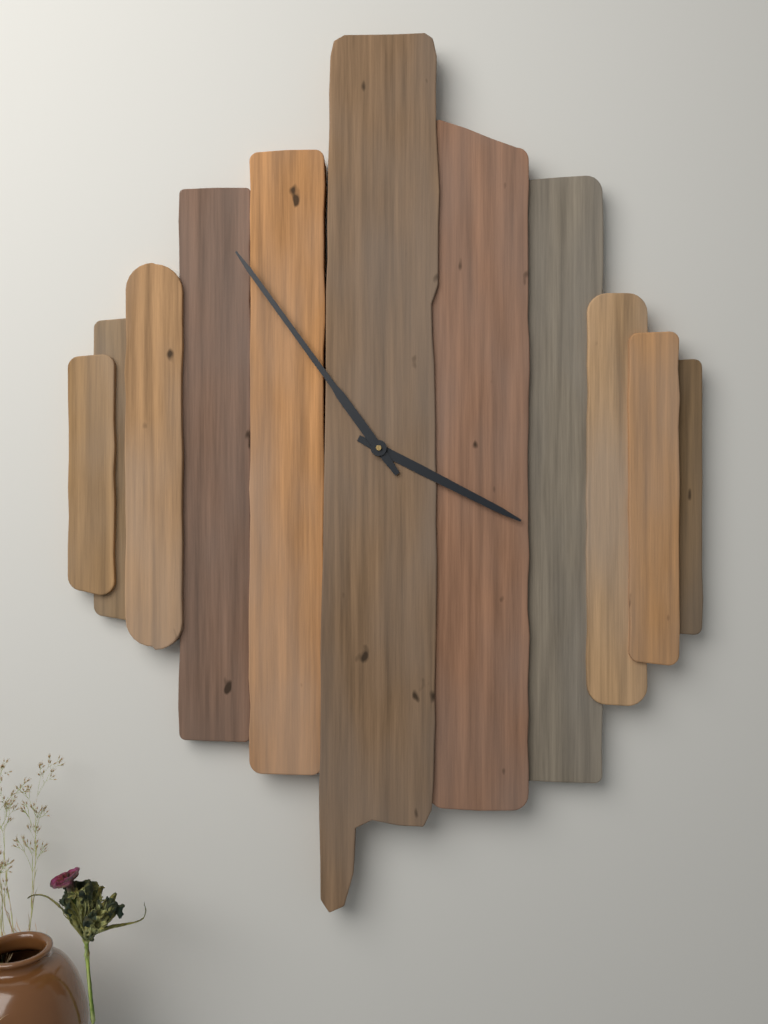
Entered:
3:54
